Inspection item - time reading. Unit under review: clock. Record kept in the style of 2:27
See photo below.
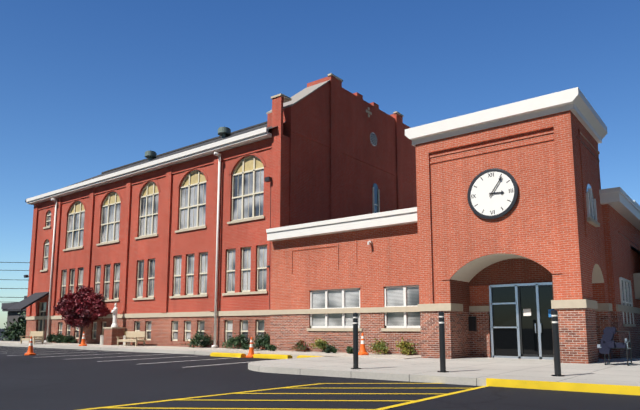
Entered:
3:06
